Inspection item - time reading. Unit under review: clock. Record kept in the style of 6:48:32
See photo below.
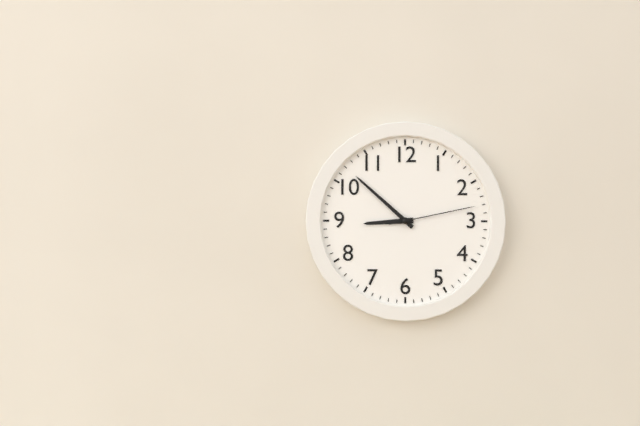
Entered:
8:52:13
